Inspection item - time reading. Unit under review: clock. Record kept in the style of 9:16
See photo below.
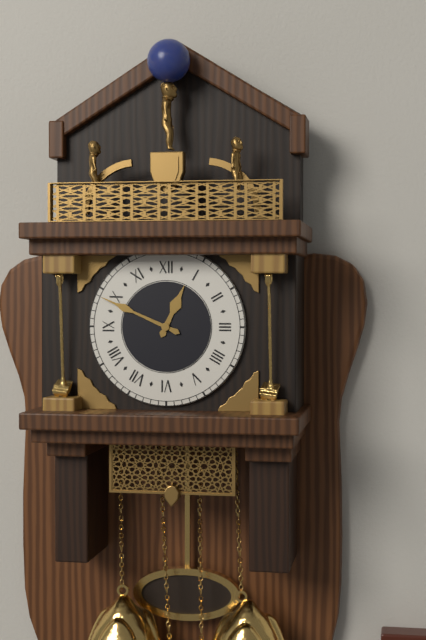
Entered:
12:49
